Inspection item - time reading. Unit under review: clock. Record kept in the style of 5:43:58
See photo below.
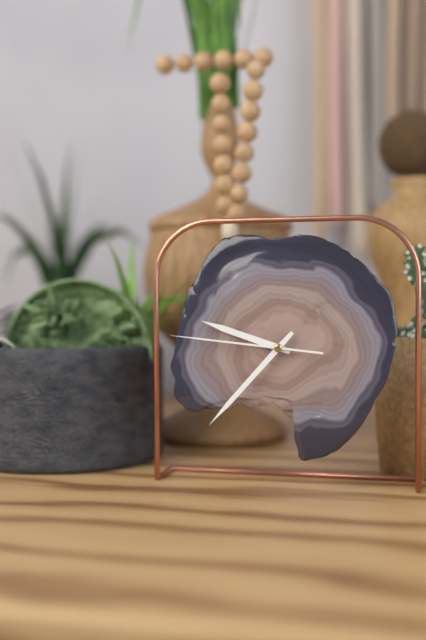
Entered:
9:37:46
